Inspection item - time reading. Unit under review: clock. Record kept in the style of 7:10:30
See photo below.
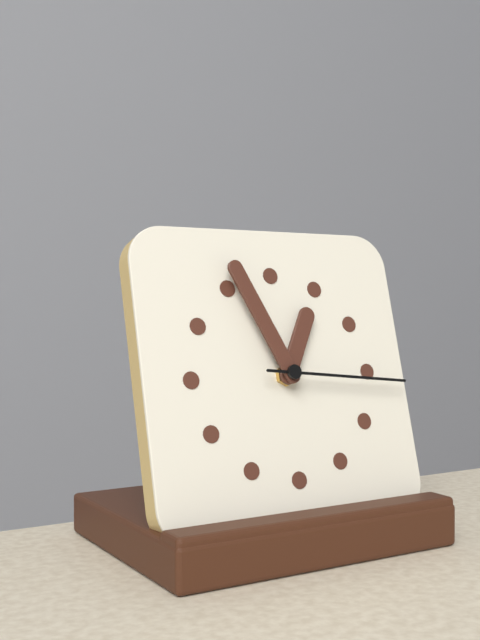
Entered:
12:56:16
